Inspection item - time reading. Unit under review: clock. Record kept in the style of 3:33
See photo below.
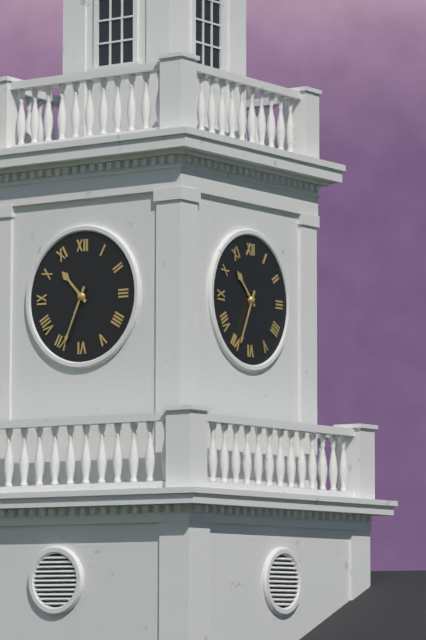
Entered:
10:34
